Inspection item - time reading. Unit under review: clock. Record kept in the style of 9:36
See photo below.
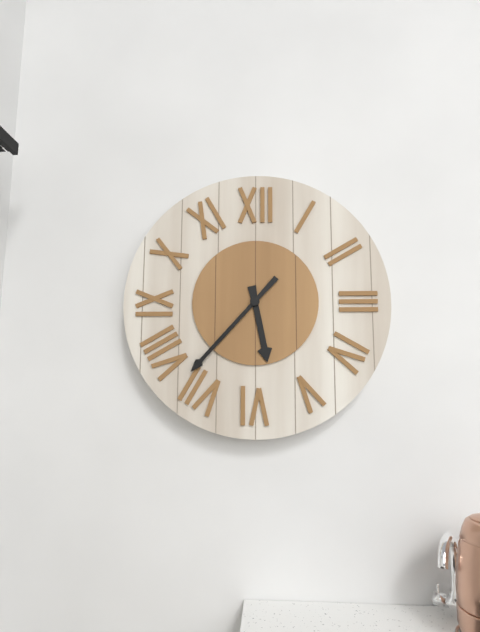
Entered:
5:37
